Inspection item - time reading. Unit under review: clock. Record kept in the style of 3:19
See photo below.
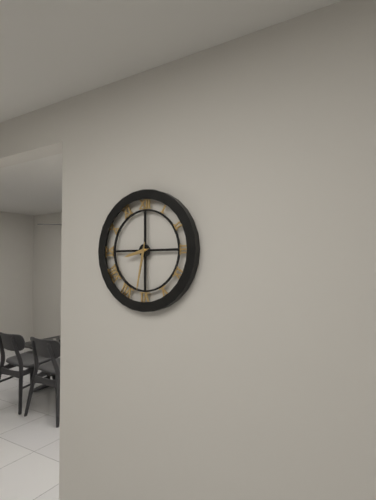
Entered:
8:32
